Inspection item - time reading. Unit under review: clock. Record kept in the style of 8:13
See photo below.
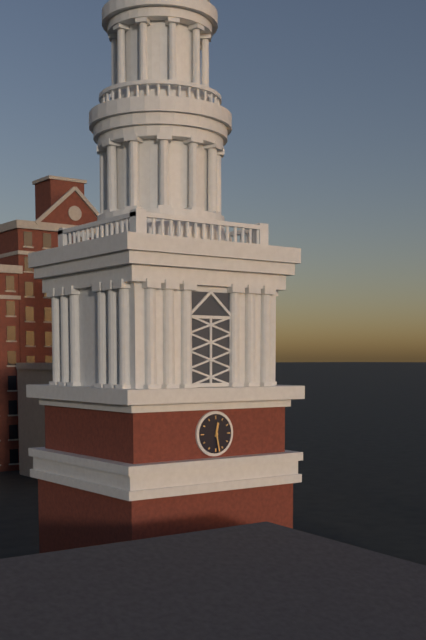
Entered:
12:28
